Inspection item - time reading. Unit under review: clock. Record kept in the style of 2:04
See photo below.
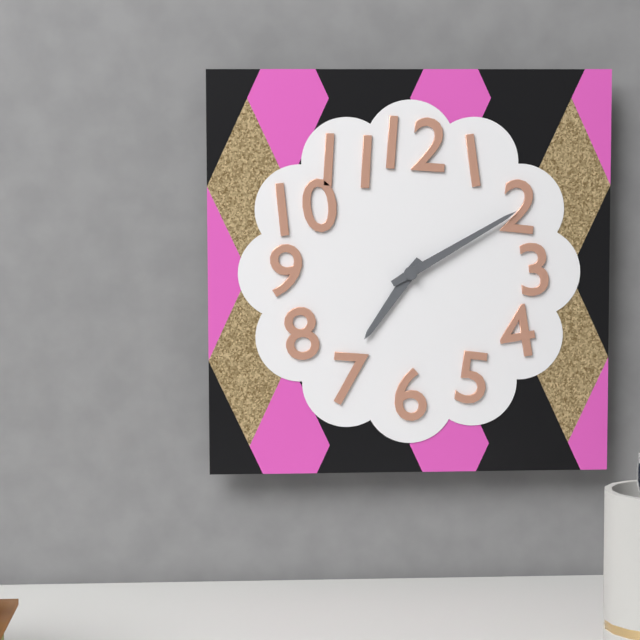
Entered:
7:10
